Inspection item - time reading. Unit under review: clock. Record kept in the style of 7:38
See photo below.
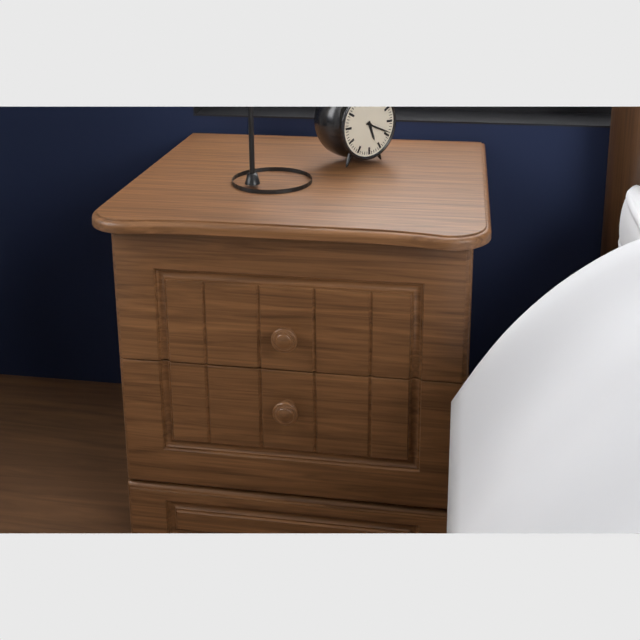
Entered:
5:19
